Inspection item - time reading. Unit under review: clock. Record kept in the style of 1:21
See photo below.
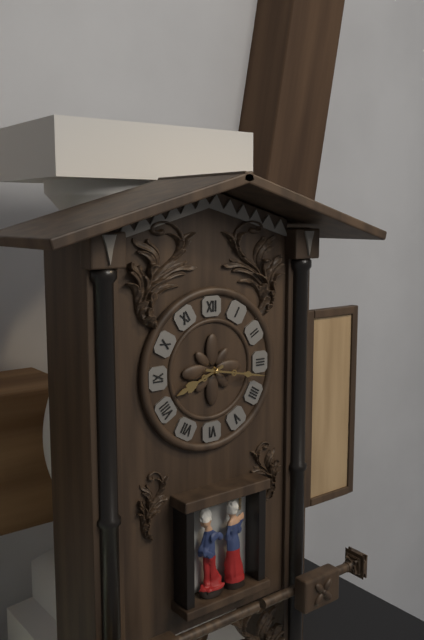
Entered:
8:17
